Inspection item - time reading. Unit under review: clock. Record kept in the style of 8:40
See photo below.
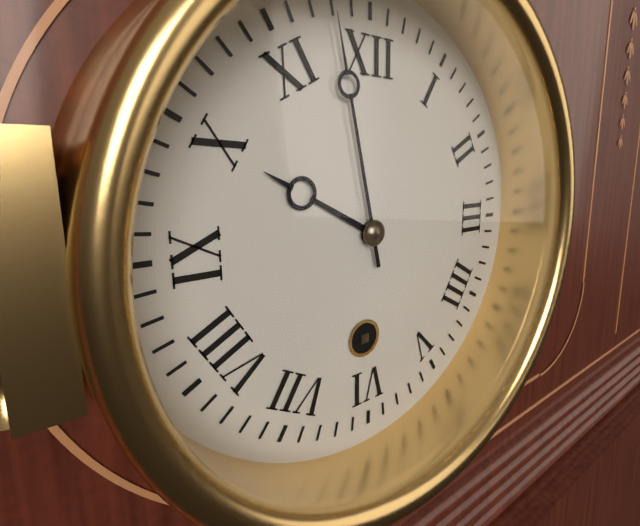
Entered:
9:58
